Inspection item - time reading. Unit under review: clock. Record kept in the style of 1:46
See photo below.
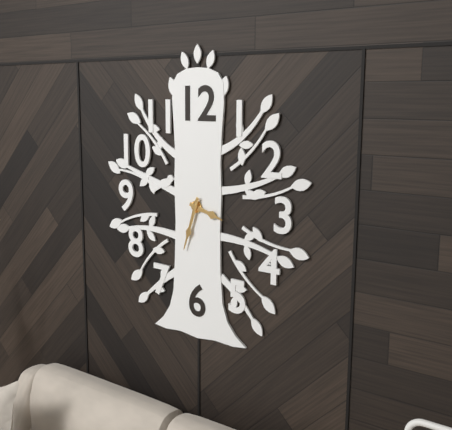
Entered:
3:33
